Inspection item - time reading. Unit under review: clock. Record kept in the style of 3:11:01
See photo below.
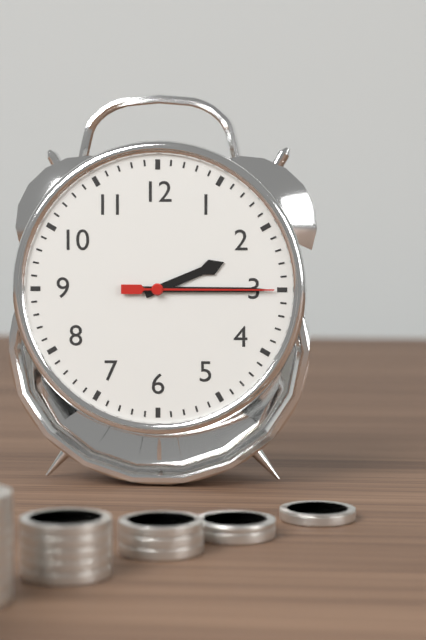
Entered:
2:15:15
